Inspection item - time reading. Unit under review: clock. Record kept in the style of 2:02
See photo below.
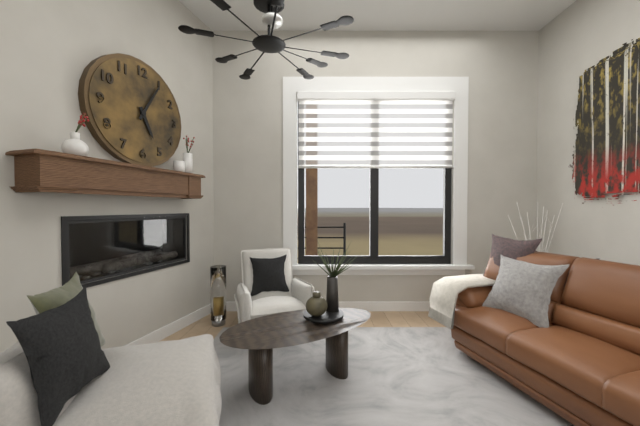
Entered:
5:05
